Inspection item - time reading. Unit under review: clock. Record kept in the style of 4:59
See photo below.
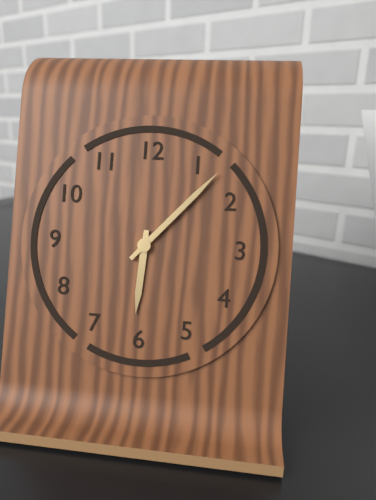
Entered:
6:07
